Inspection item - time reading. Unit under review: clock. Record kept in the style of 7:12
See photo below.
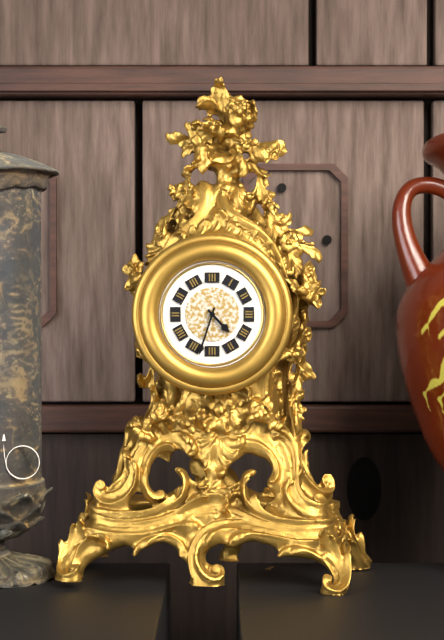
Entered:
4:33
